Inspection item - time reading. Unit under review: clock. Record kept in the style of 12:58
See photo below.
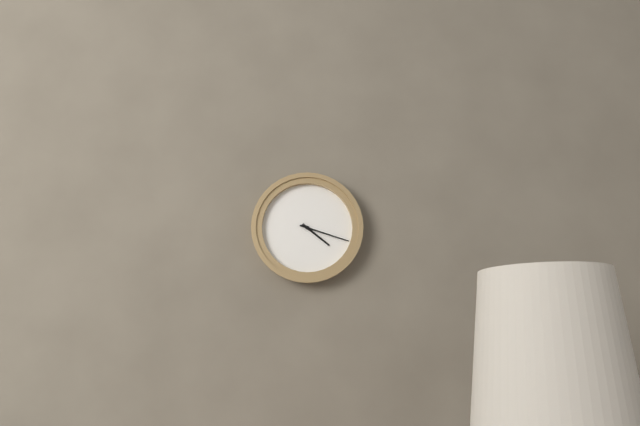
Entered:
4:18
